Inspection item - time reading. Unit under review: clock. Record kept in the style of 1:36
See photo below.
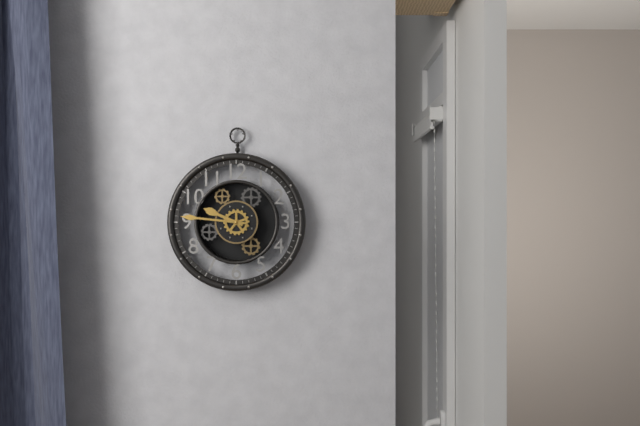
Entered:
9:46
